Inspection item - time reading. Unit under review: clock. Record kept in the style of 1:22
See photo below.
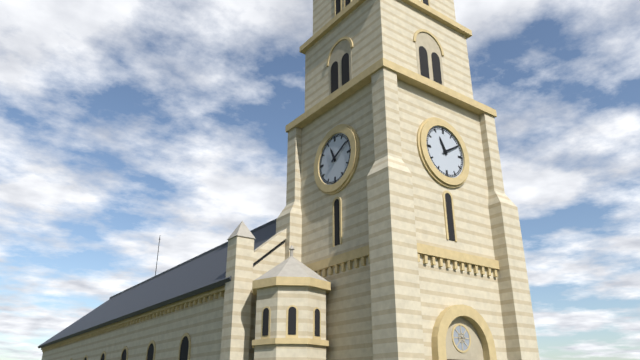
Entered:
11:10
